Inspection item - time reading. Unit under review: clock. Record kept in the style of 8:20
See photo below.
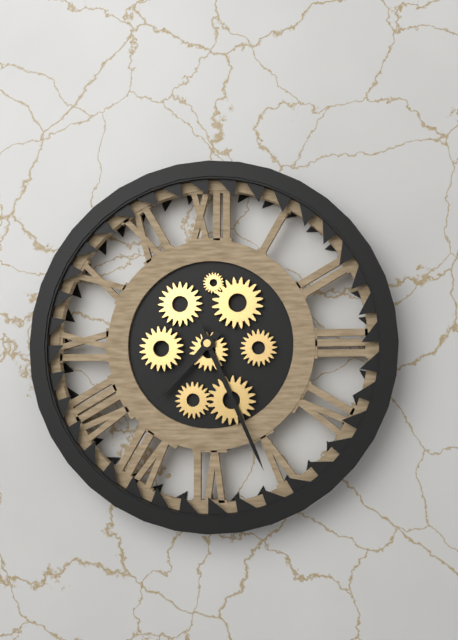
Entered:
7:26
